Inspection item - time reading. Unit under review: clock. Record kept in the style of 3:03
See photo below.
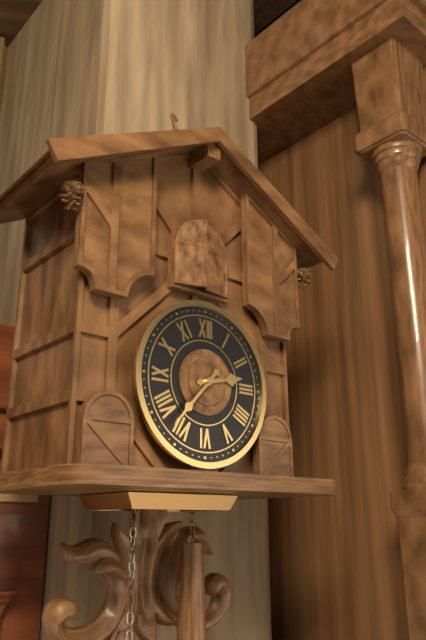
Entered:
2:37
